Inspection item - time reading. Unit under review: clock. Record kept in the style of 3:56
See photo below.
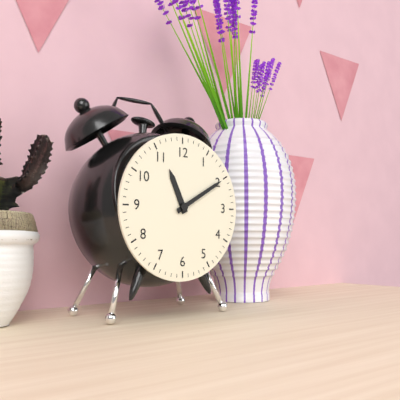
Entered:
11:10
